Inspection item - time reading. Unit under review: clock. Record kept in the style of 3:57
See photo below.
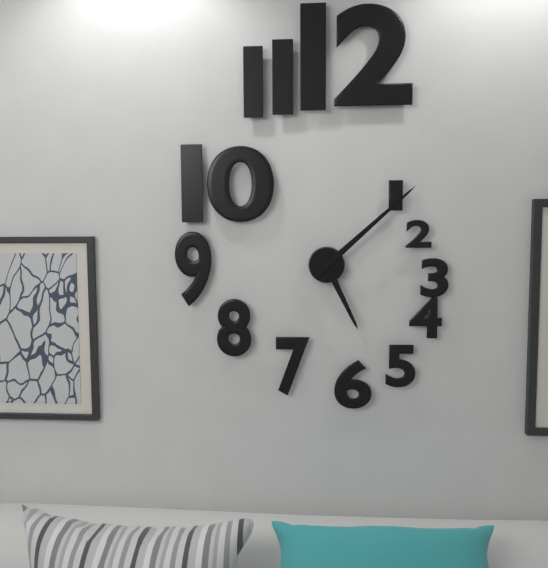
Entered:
5:08
